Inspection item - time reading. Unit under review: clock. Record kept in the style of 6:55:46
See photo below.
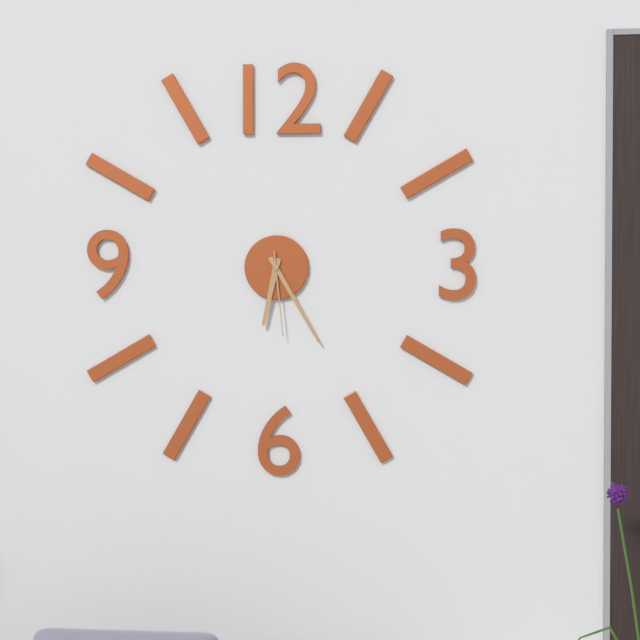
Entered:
6:25:29
